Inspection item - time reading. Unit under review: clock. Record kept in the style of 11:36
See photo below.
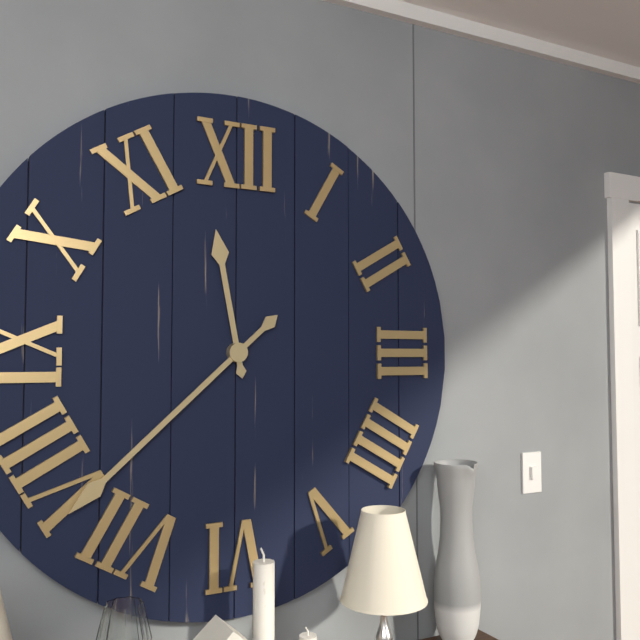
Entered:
11:38
